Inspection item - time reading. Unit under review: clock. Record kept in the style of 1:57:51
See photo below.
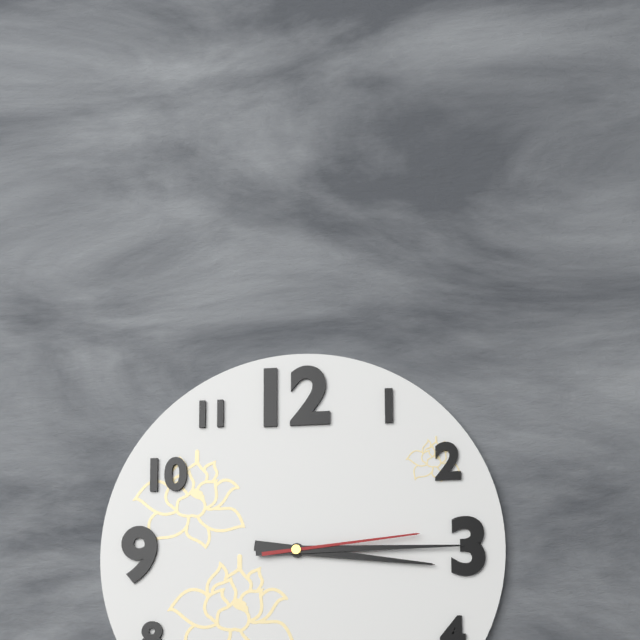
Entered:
3:15:14
